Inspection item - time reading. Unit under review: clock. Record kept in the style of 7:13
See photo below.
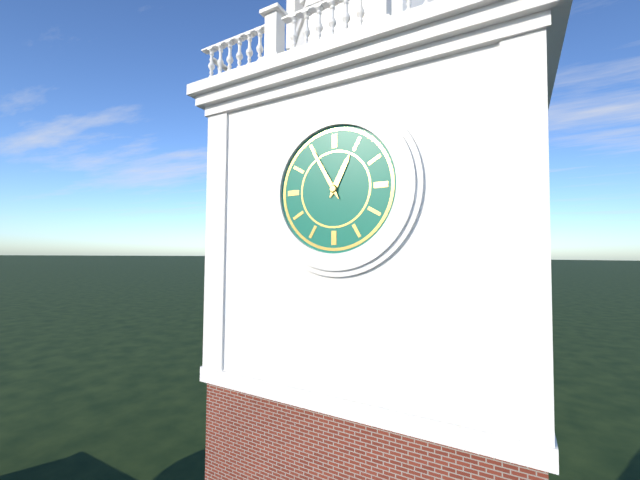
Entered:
12:55
